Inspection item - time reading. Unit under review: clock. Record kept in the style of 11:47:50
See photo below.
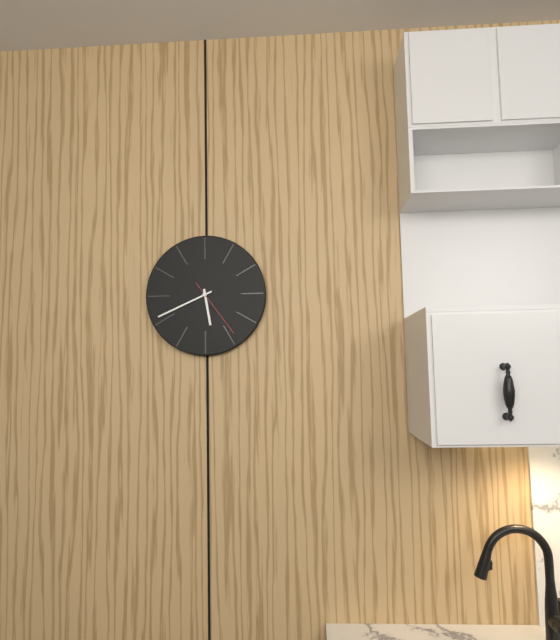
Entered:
5:41:24
